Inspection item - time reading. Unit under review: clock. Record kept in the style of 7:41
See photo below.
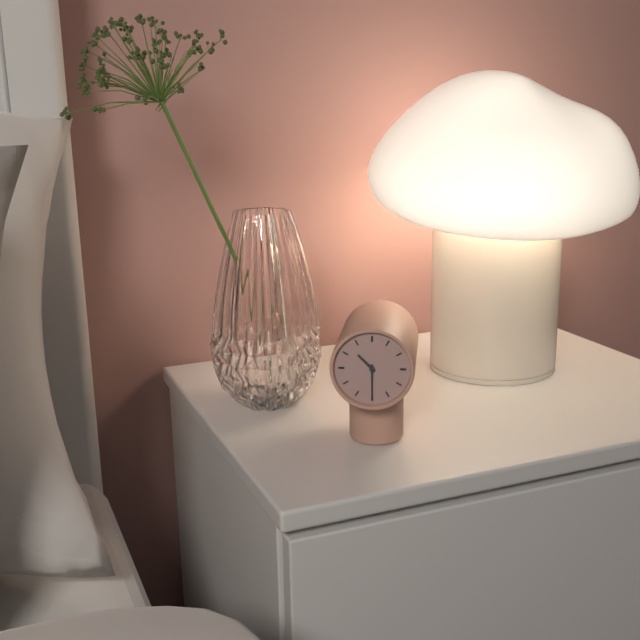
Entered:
10:30
